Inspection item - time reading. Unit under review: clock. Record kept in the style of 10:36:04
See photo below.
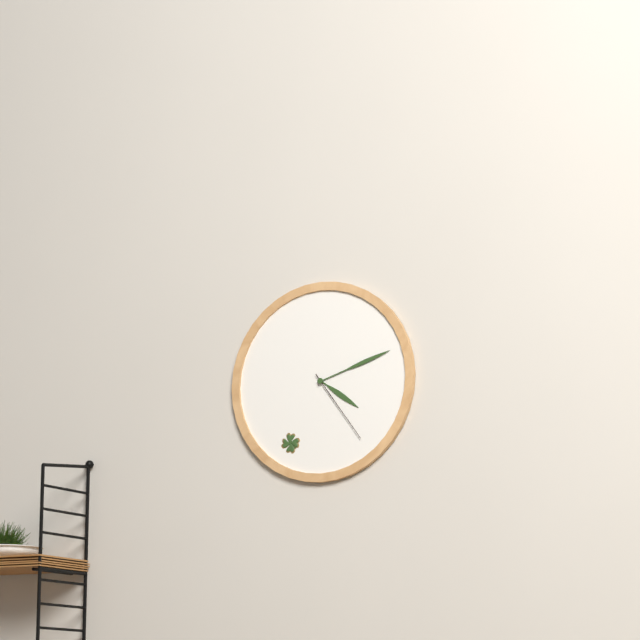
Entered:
4:12:24
